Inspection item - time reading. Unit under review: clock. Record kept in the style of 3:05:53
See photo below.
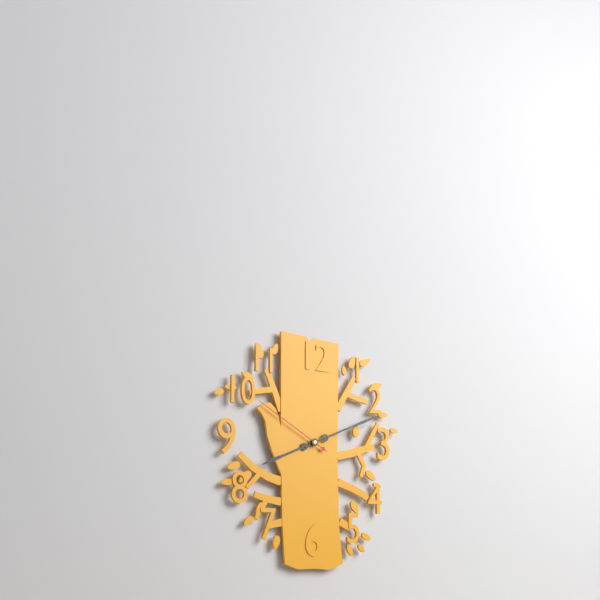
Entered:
8:11:50
